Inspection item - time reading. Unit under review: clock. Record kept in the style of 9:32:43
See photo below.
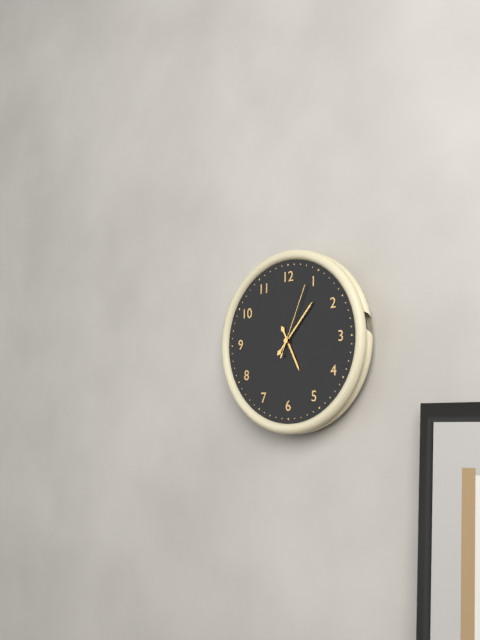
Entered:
5:07:04
